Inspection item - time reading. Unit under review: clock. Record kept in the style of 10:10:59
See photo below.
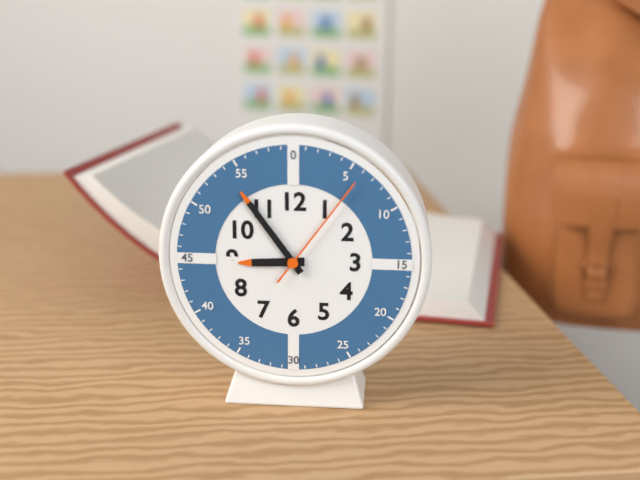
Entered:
8:54:06
